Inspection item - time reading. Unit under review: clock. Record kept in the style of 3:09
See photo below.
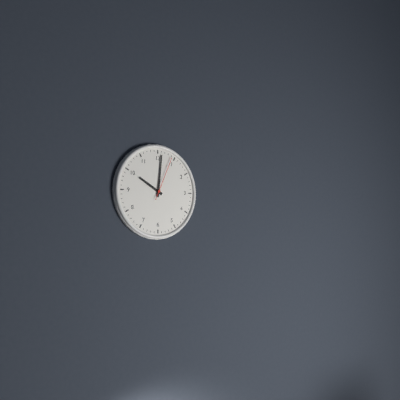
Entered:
10:01
